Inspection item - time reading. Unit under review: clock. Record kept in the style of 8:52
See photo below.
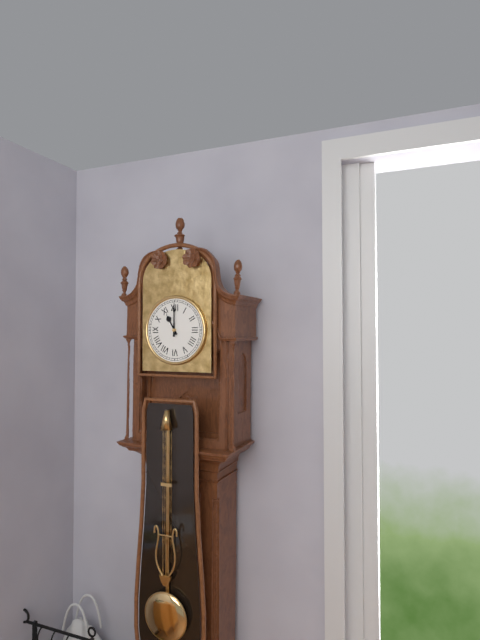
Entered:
11:00
